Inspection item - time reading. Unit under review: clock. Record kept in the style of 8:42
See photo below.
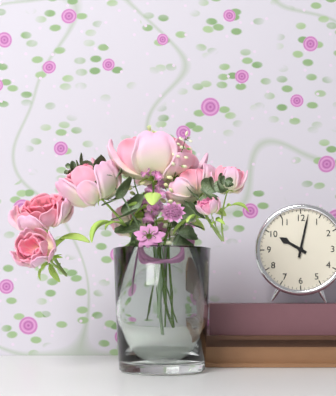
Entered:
10:02
